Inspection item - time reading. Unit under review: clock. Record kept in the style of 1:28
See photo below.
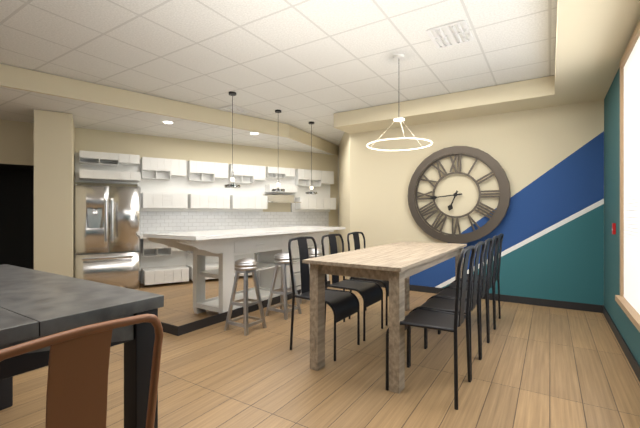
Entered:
6:44
